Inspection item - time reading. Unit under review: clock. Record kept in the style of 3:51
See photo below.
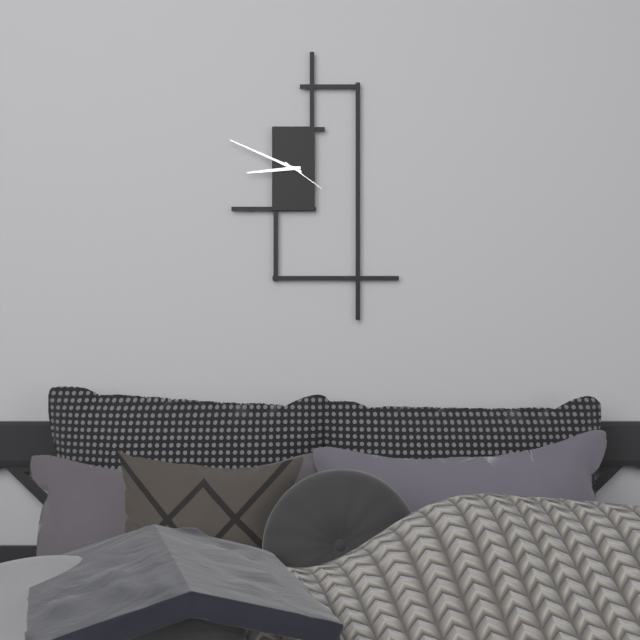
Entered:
8:49
